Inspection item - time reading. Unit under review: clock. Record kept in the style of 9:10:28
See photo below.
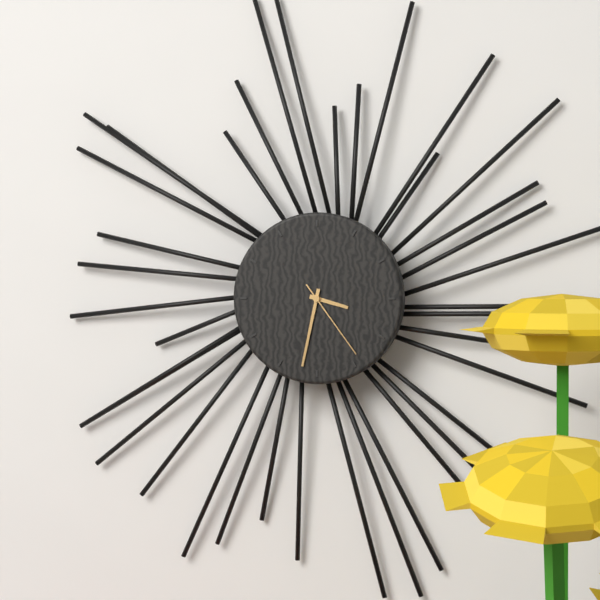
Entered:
3:32:24
